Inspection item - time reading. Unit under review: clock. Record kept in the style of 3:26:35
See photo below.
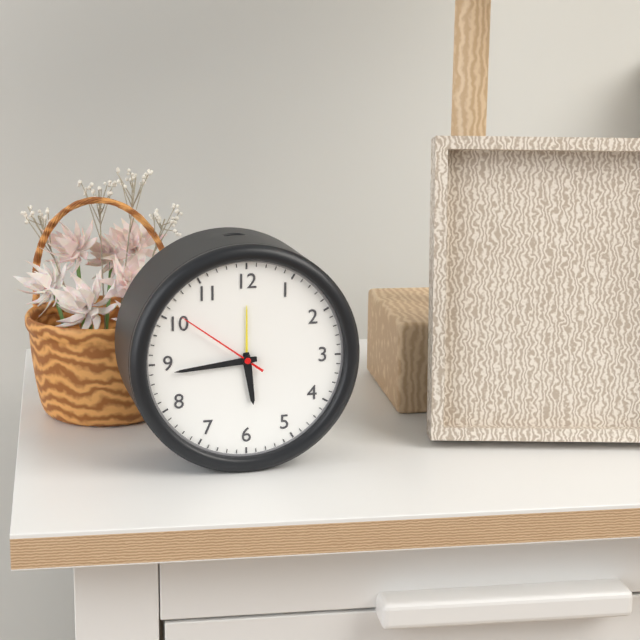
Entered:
5:44:51
